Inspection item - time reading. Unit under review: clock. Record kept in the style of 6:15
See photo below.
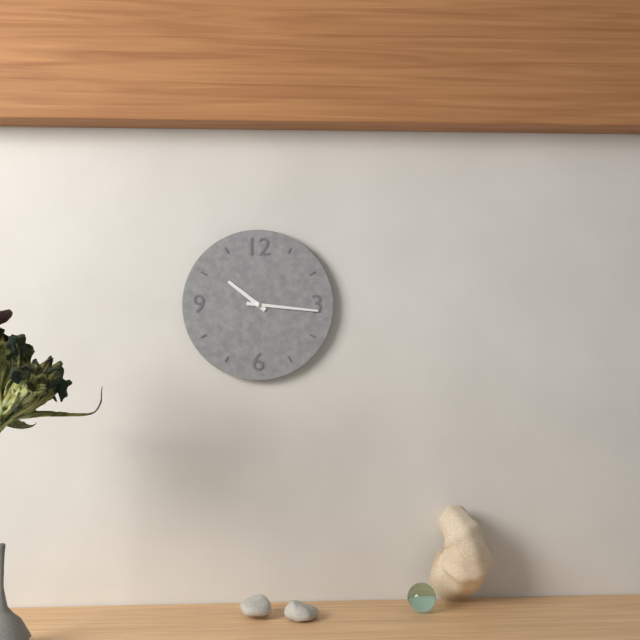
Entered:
10:16
